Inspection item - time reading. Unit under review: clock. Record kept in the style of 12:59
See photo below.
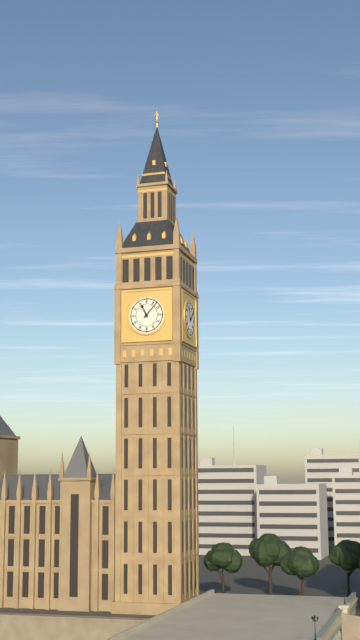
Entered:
11:07
